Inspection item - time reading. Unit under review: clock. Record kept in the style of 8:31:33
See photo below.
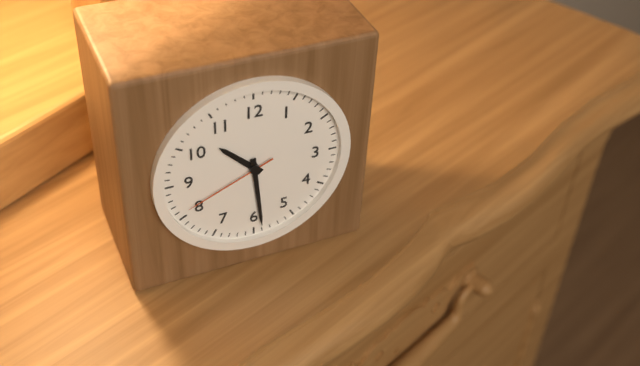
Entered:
10:29:41
